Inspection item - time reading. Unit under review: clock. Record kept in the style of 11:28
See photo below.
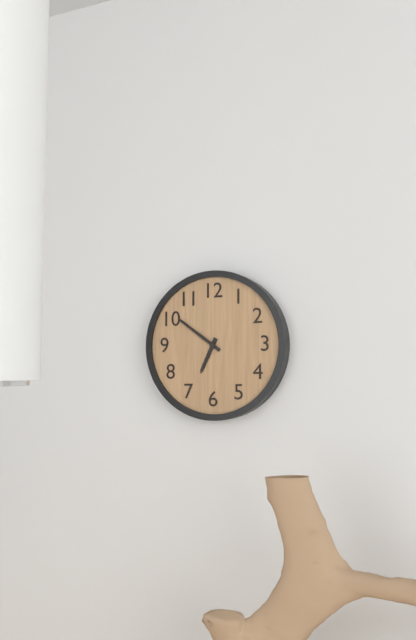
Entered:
6:51
